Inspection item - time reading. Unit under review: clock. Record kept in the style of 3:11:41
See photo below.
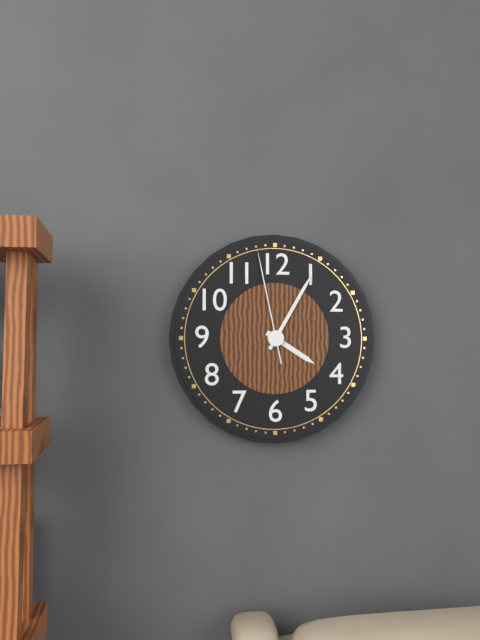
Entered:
4:05:58
